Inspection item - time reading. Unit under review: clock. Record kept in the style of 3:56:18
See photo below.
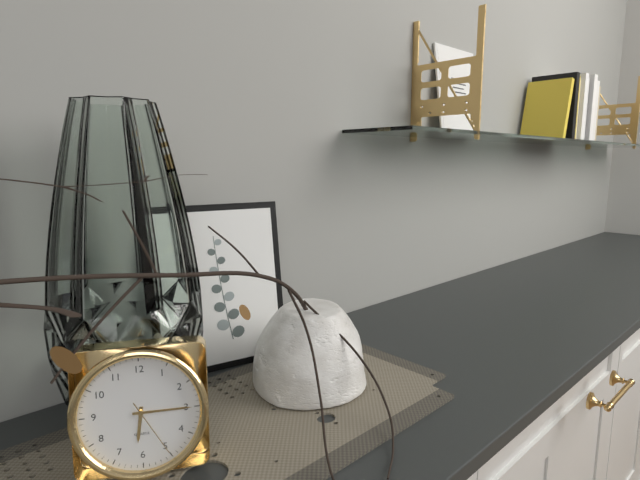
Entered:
6:15:25
